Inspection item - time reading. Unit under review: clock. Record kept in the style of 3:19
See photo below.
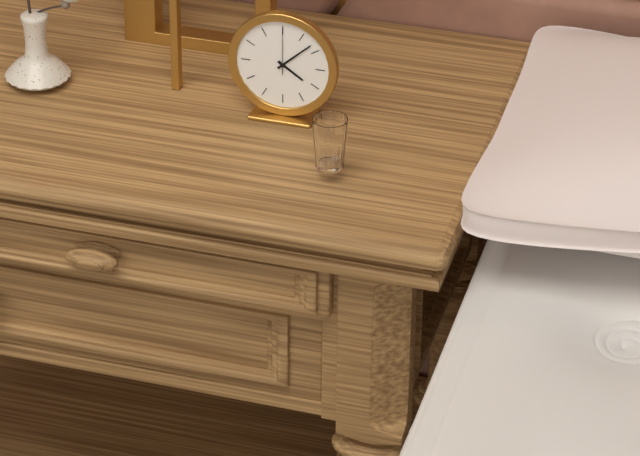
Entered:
4:08
